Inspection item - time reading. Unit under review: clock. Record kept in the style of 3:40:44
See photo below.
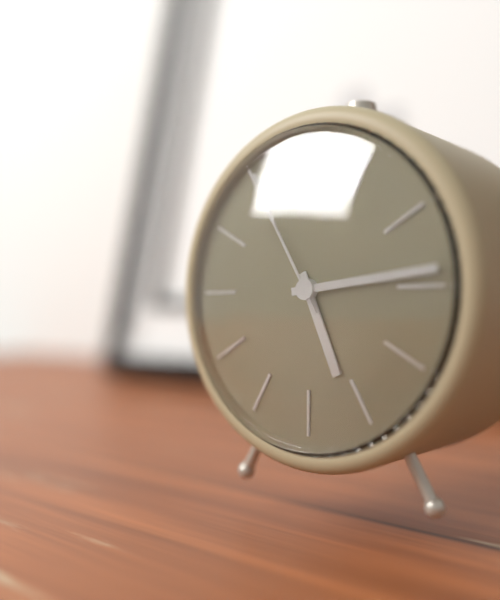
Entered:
5:14:55
